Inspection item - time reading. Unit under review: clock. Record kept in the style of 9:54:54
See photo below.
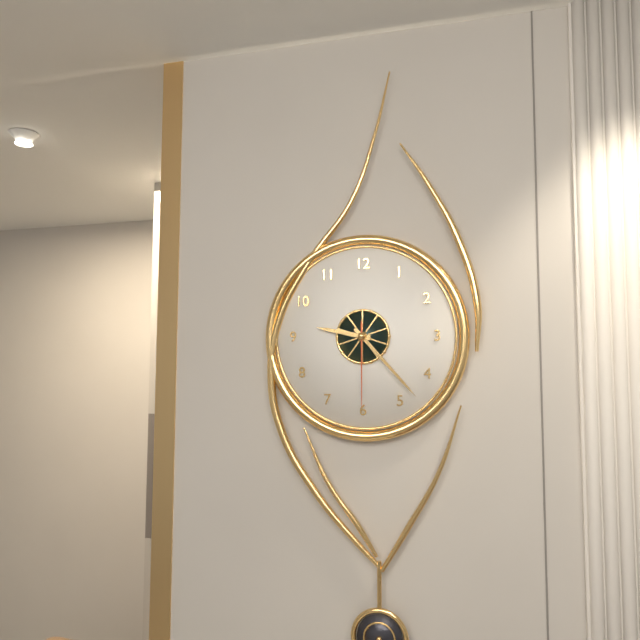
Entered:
9:23:30
